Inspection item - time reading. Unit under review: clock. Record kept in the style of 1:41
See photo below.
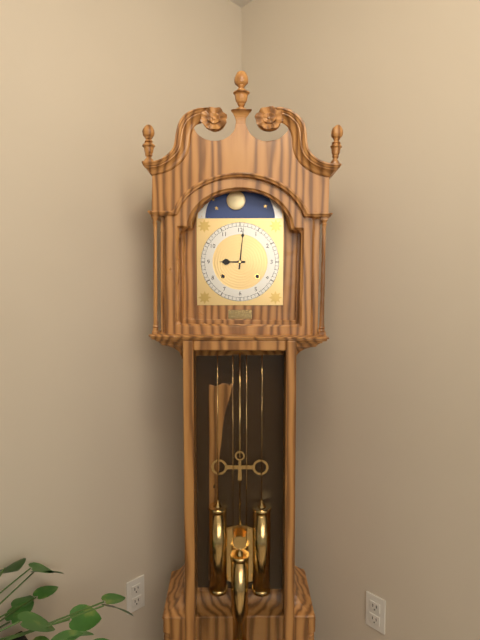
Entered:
9:01
